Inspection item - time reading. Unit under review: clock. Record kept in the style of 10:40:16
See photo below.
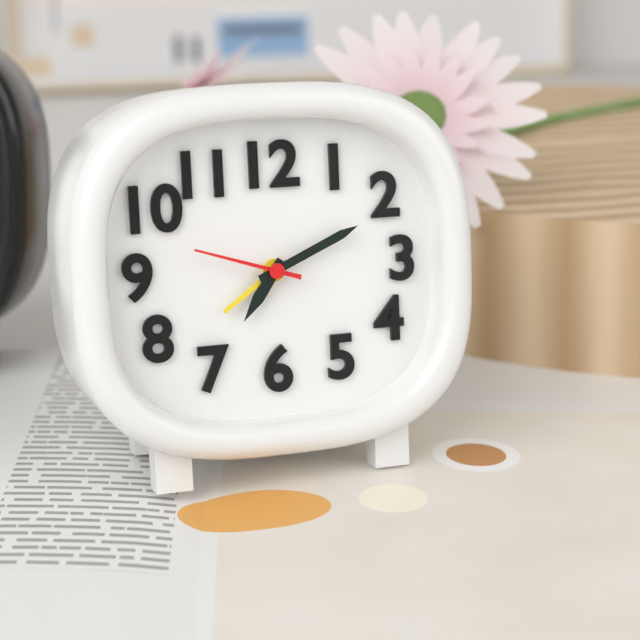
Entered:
7:11:48
